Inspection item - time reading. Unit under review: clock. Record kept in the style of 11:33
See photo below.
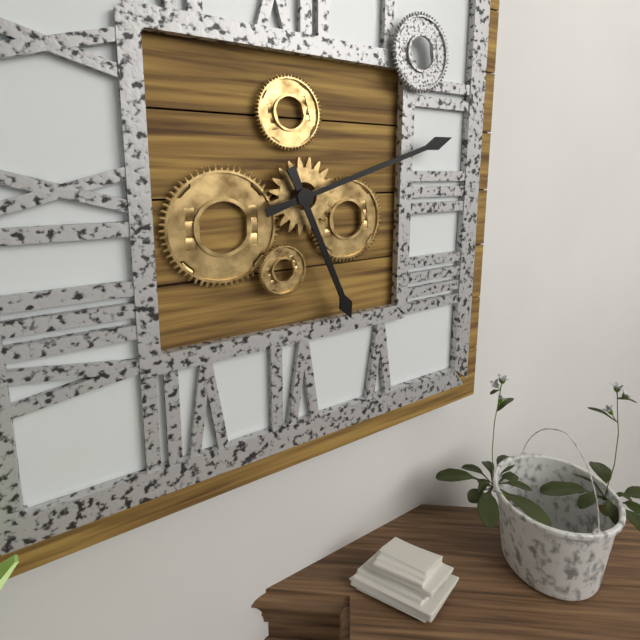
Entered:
5:12
